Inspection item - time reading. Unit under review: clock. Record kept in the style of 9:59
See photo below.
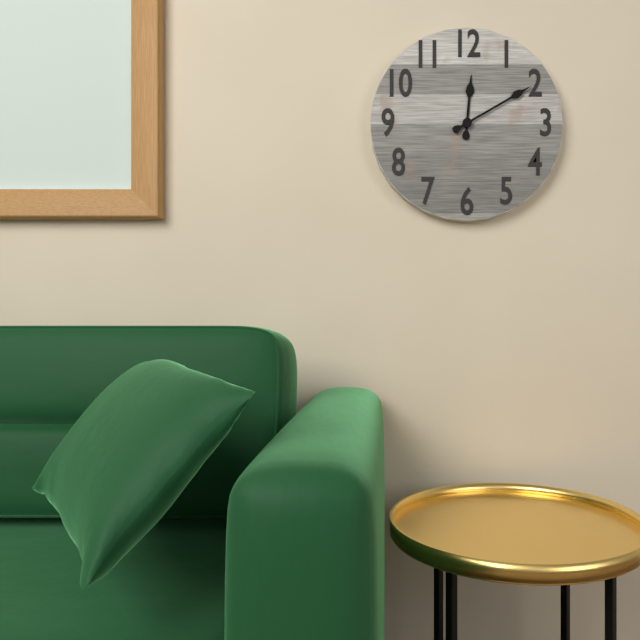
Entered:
12:10
